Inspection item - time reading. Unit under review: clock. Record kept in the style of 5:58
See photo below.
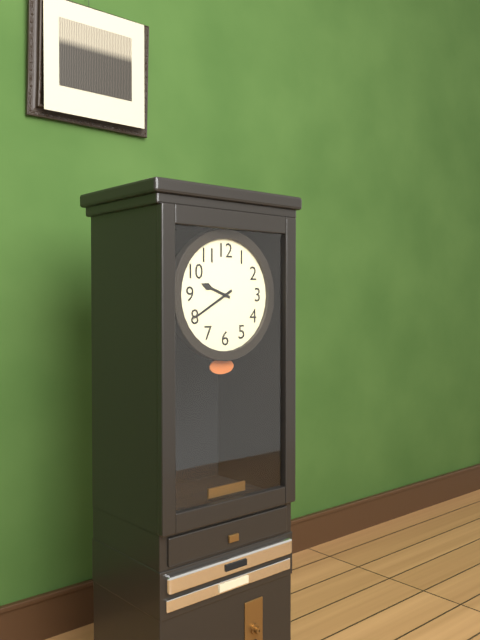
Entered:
9:40
